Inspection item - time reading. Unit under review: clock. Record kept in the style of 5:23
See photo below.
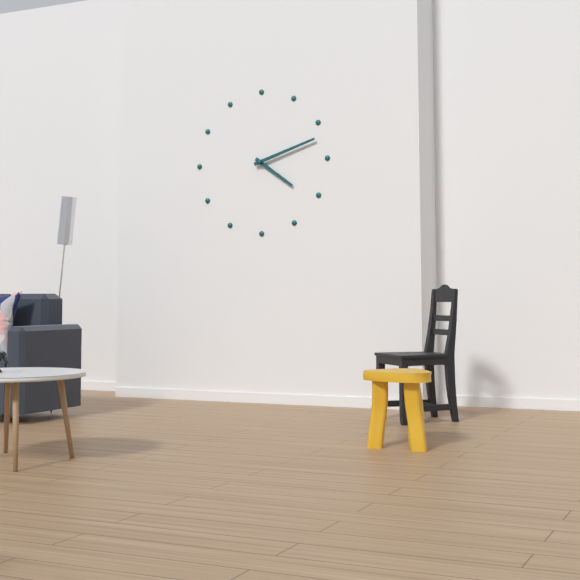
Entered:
4:12
